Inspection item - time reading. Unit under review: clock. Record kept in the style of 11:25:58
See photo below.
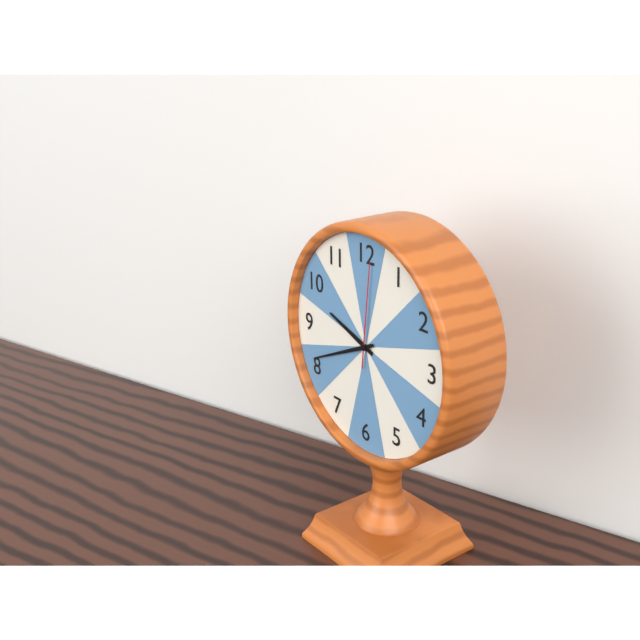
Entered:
9:41:01
